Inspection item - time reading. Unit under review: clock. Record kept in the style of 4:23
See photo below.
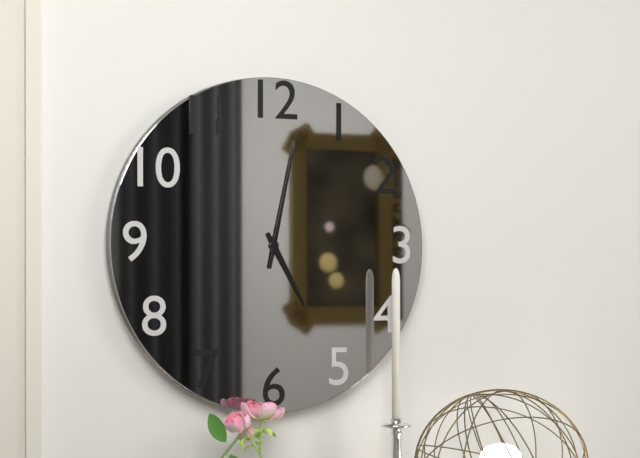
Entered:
5:02
